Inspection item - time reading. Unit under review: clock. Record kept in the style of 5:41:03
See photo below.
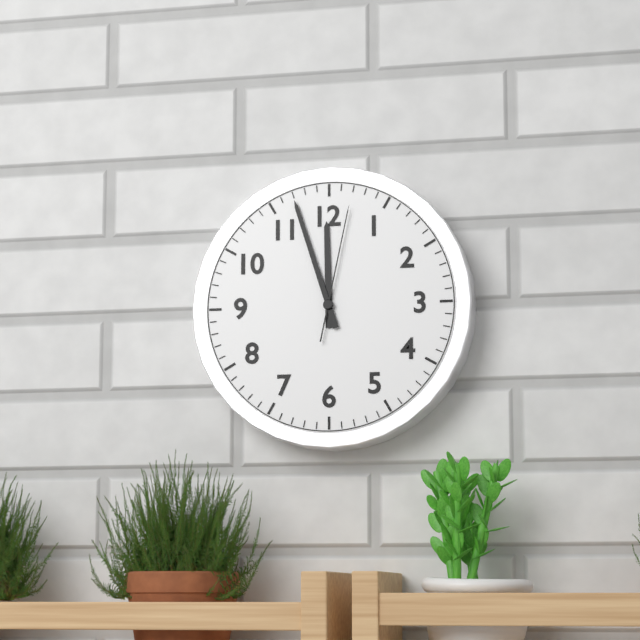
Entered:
11:57:02
